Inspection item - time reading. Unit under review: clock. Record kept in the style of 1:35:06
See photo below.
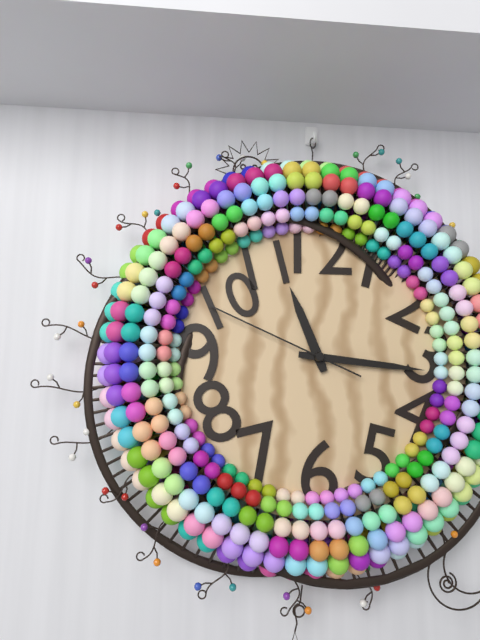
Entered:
11:16:49
